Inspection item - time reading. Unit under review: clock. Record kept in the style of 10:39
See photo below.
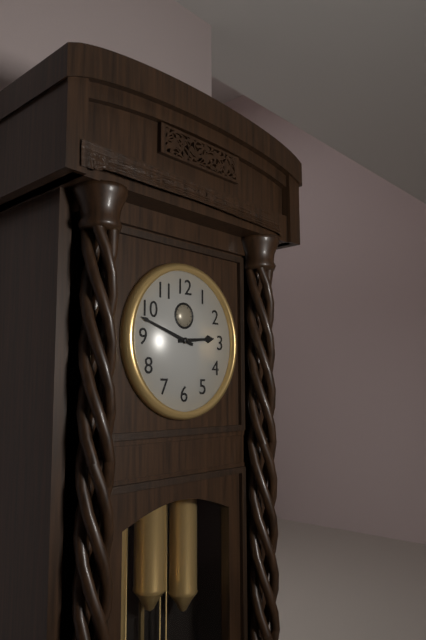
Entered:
2:48
